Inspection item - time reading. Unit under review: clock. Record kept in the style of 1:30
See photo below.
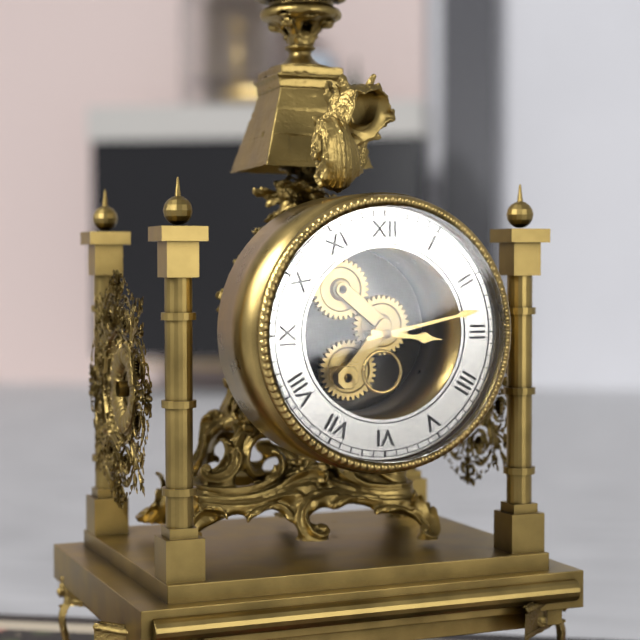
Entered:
3:13
